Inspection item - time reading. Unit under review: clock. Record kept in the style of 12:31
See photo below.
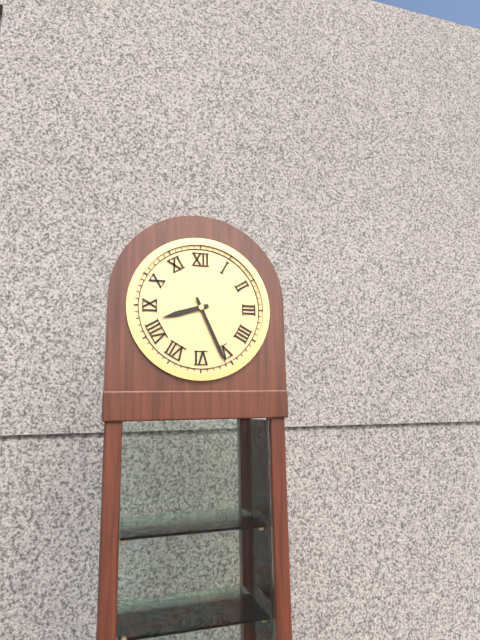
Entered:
8:26
